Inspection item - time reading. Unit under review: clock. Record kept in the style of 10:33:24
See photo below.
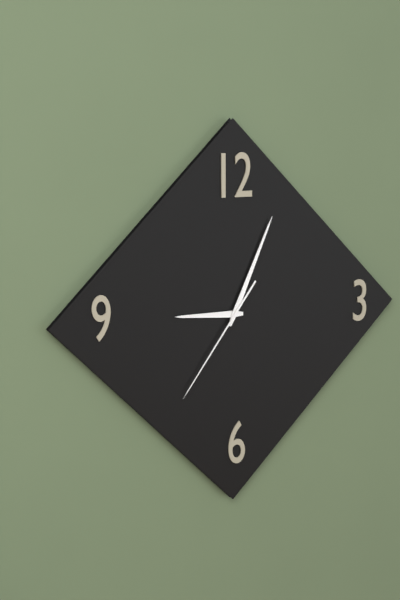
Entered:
9:04:36
